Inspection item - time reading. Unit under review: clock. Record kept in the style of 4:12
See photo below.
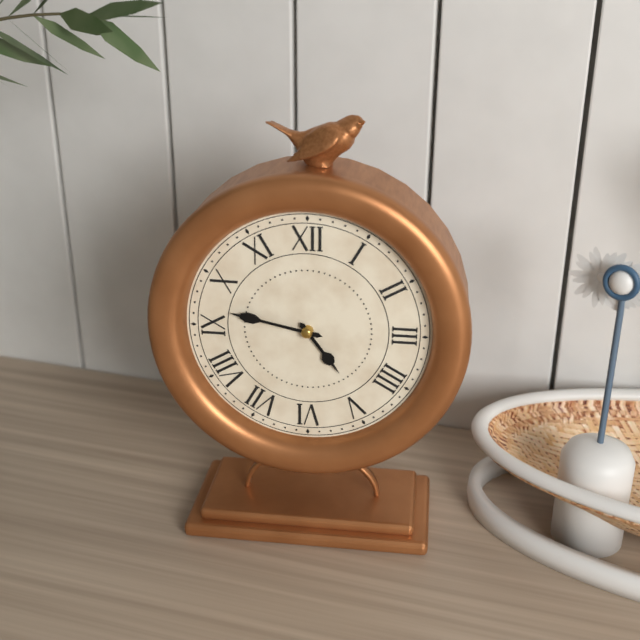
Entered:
4:47
